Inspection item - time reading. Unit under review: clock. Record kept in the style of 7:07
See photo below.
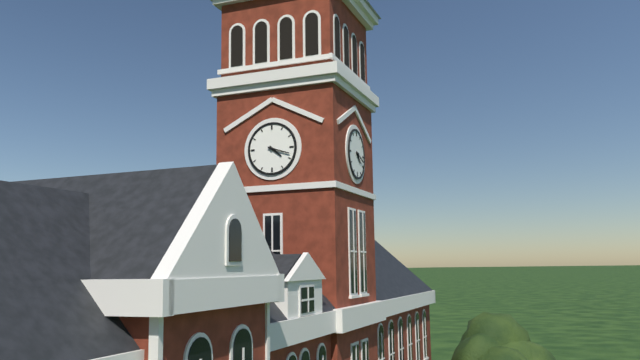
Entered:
4:18
